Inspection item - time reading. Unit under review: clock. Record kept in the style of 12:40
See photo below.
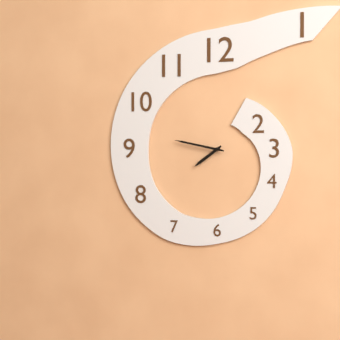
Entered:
7:47
